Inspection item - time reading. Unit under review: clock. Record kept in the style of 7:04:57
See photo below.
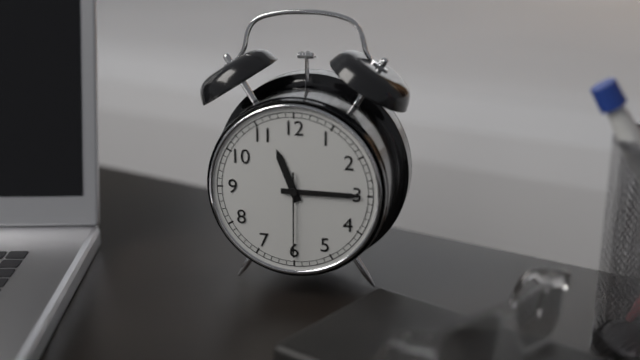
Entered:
11:15:30
